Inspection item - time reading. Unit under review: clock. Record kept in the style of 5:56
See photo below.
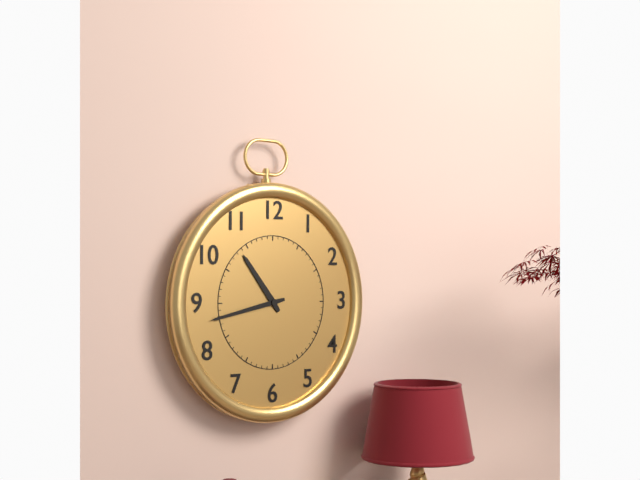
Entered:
10:43
